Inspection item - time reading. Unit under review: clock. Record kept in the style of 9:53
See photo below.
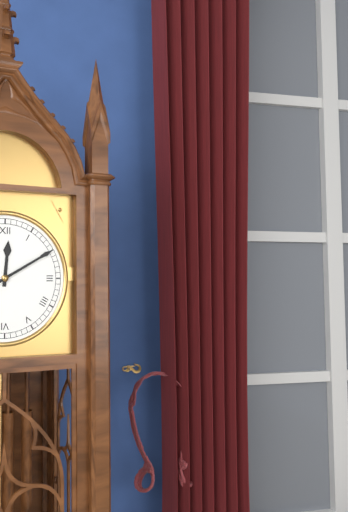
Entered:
12:10
